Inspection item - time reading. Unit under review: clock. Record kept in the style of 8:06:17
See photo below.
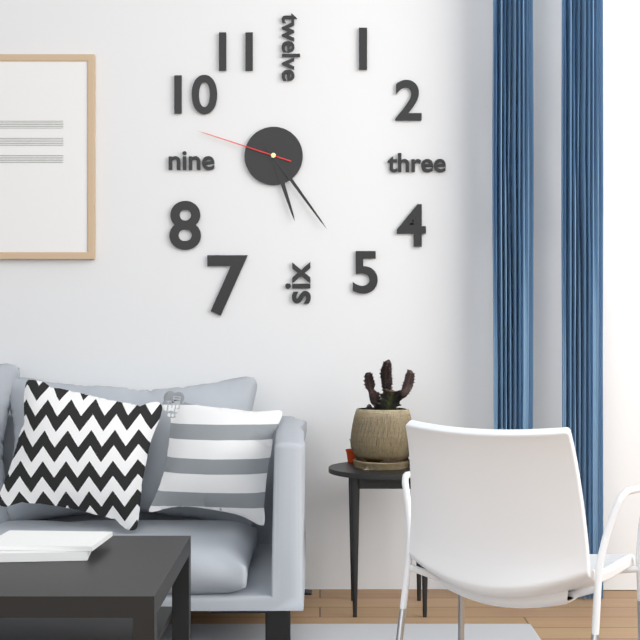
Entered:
5:24:48
